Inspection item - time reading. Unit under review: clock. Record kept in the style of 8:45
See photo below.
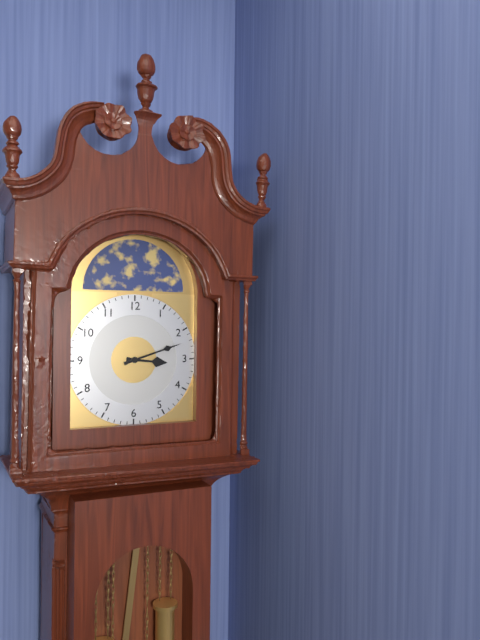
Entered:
3:12
